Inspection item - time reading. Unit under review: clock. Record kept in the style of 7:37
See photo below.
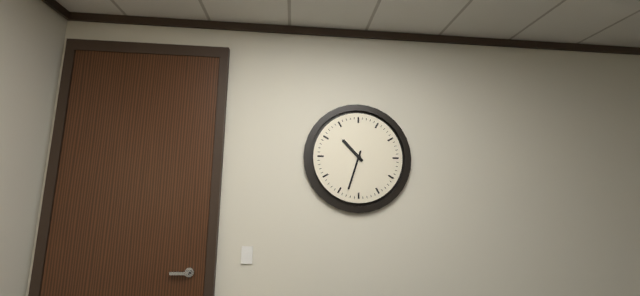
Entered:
10:33
